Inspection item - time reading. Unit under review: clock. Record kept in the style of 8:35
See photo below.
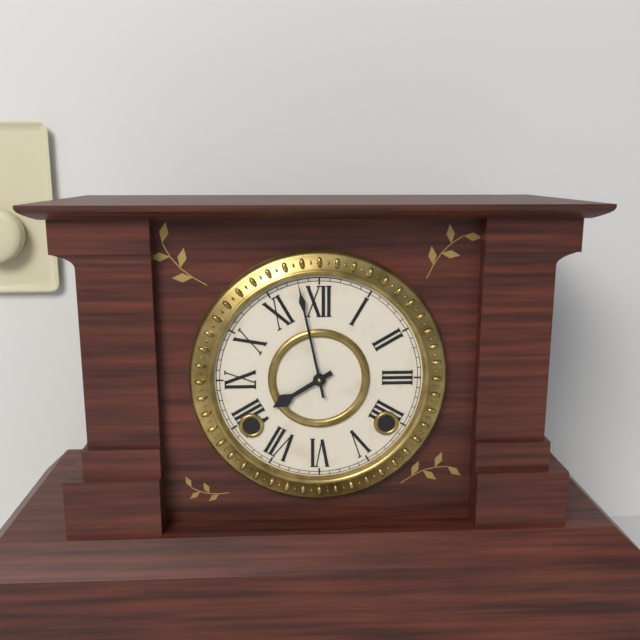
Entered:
7:58
